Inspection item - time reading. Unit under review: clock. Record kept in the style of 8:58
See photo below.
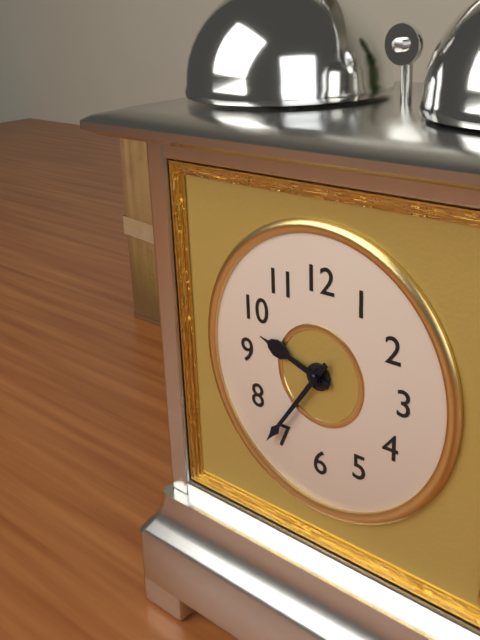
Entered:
9:36
